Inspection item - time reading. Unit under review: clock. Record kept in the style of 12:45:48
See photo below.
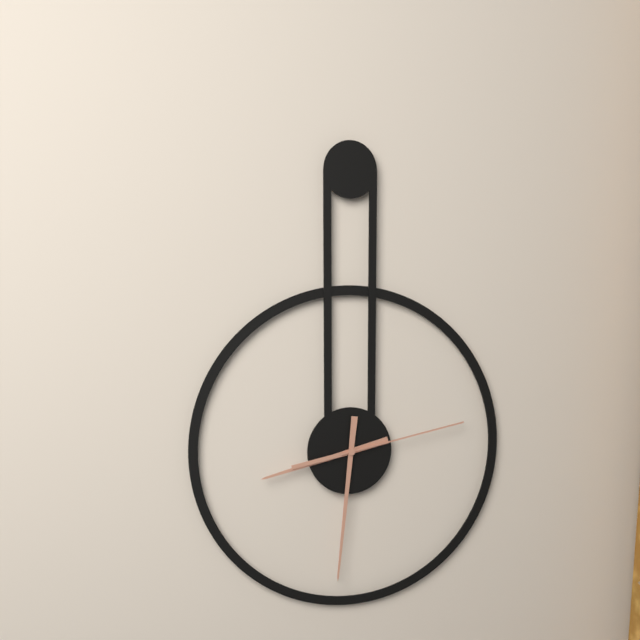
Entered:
8:31:13
